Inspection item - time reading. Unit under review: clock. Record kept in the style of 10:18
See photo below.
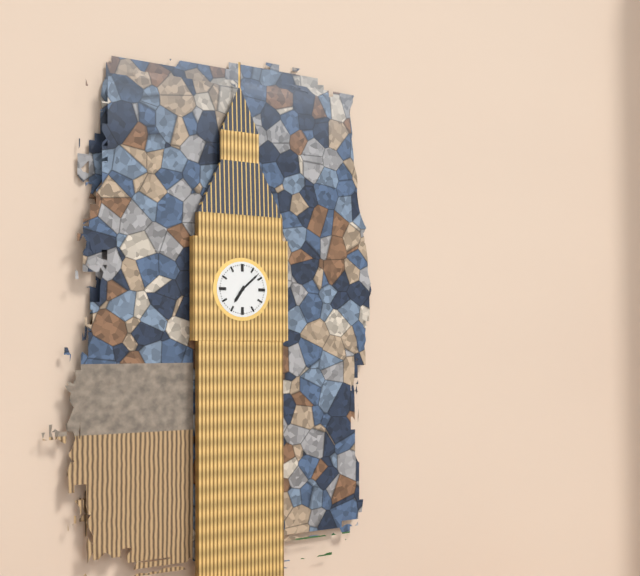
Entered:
7:08
